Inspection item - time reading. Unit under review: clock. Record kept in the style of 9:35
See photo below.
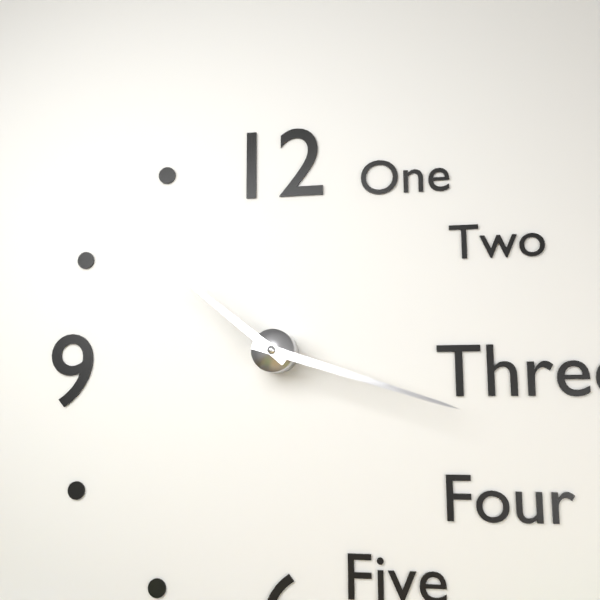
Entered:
10:18
